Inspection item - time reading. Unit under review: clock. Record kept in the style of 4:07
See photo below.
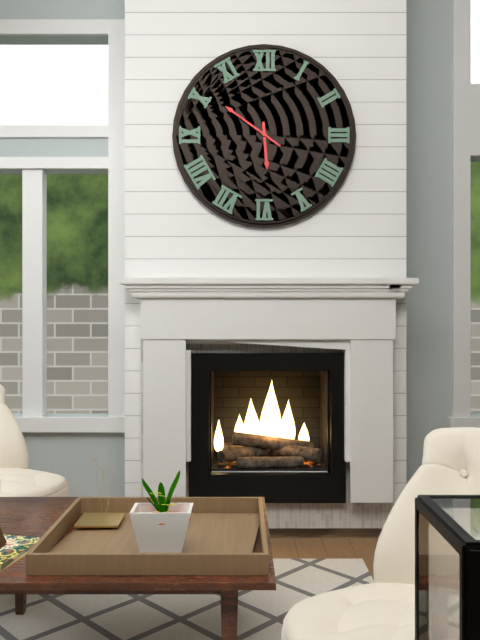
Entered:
5:51
